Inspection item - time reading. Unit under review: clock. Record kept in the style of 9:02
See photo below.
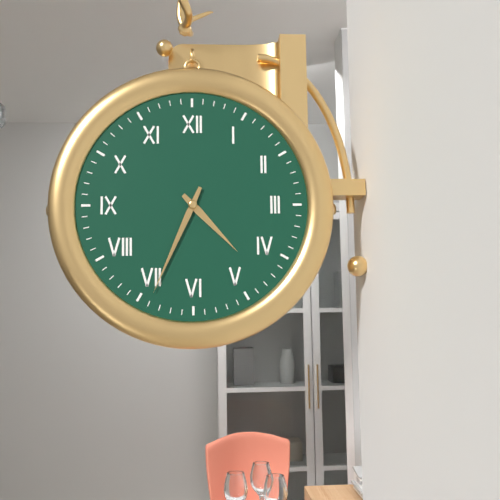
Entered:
4:34
